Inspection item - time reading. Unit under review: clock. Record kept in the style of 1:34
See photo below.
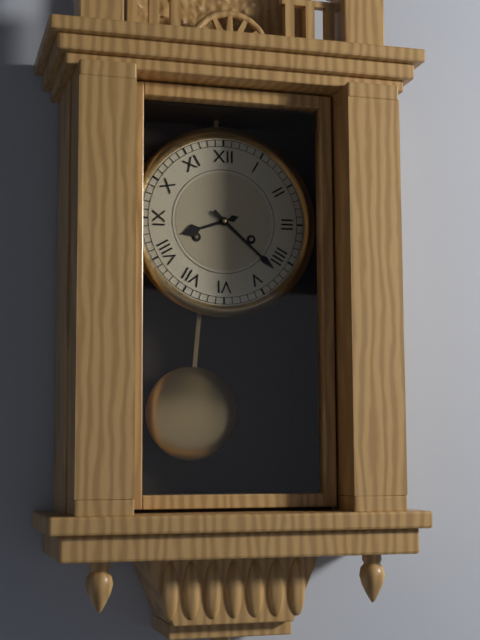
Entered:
8:22
